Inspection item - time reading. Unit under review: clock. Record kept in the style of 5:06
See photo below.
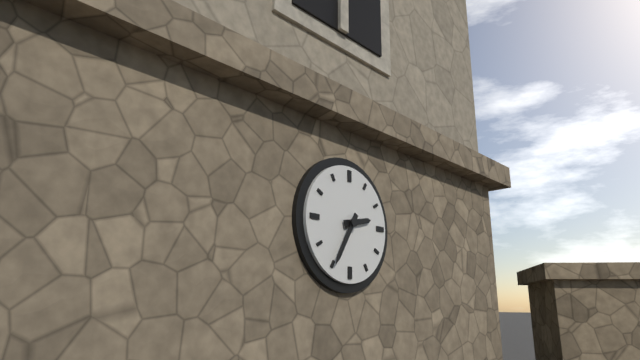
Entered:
2:35
